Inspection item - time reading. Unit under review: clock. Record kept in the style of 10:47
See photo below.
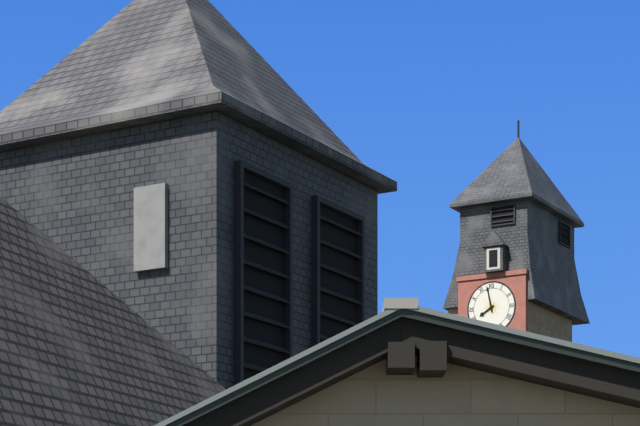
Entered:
7:58
